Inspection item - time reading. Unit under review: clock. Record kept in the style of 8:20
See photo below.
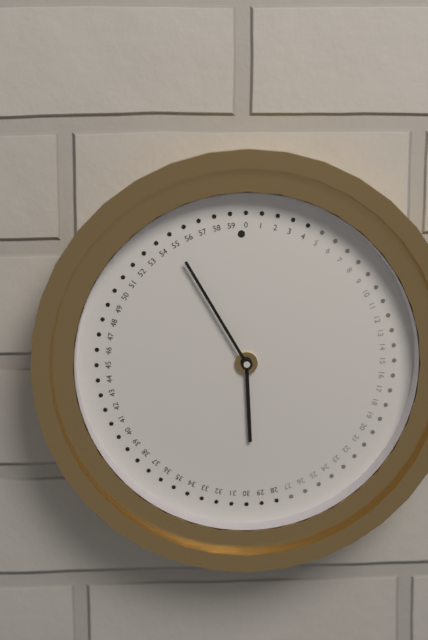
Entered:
5:55
